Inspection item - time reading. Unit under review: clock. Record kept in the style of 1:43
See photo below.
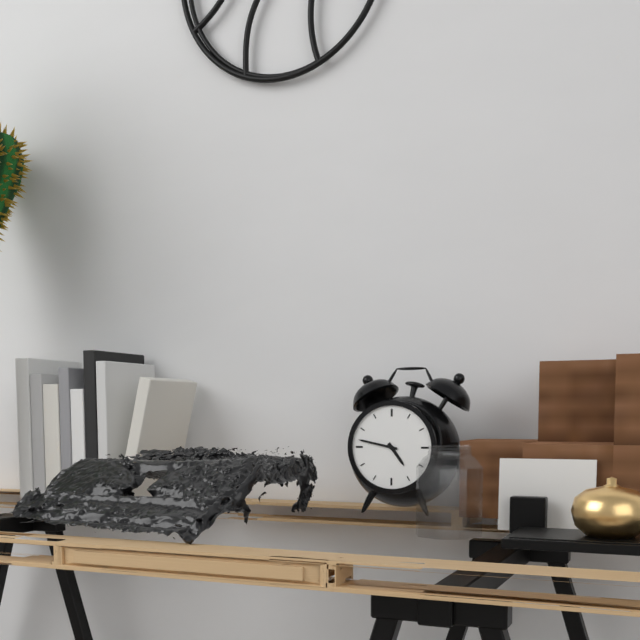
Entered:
4:47
